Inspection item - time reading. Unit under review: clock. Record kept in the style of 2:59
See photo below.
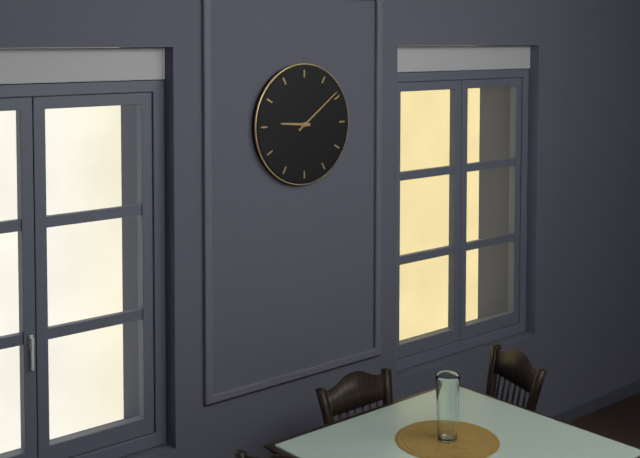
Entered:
9:09
